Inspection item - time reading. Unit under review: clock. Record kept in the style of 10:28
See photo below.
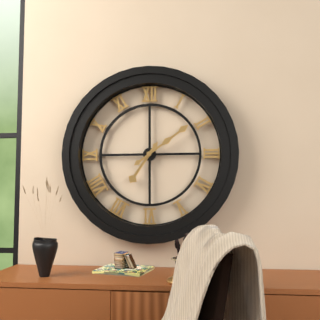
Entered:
7:09
